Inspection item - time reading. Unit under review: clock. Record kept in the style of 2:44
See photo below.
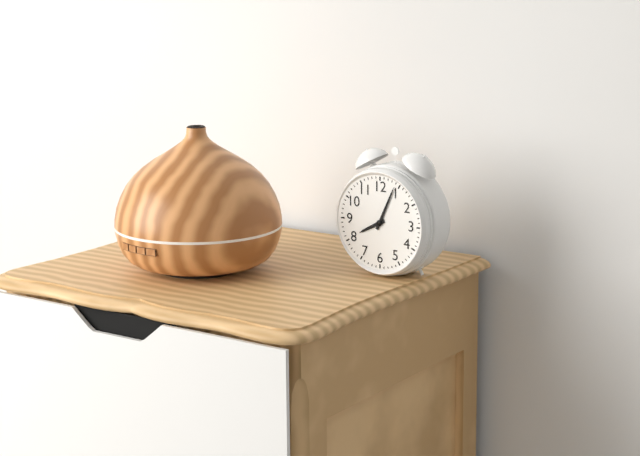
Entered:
8:04
